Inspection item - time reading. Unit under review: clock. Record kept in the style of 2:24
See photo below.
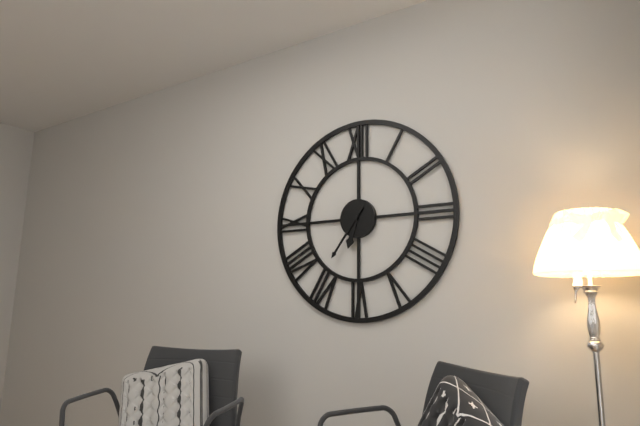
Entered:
6:36
